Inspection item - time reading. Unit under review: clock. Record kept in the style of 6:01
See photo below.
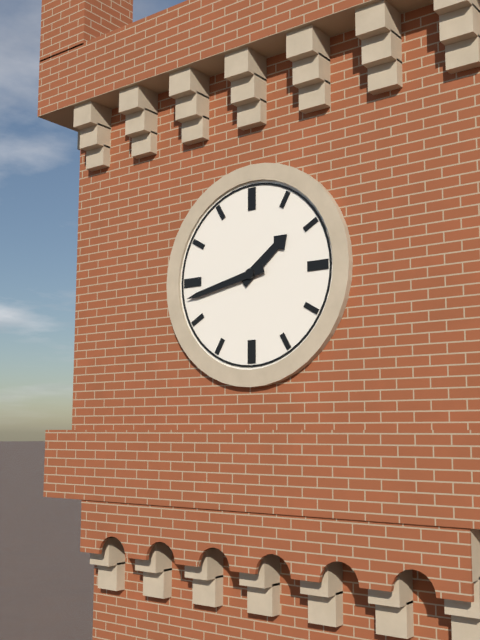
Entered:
1:43
